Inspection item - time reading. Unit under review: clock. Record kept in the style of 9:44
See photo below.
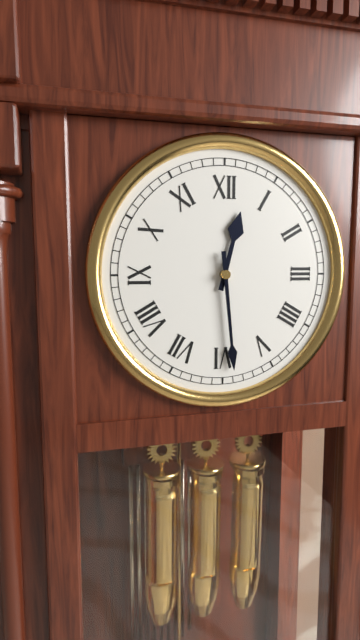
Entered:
12:29
